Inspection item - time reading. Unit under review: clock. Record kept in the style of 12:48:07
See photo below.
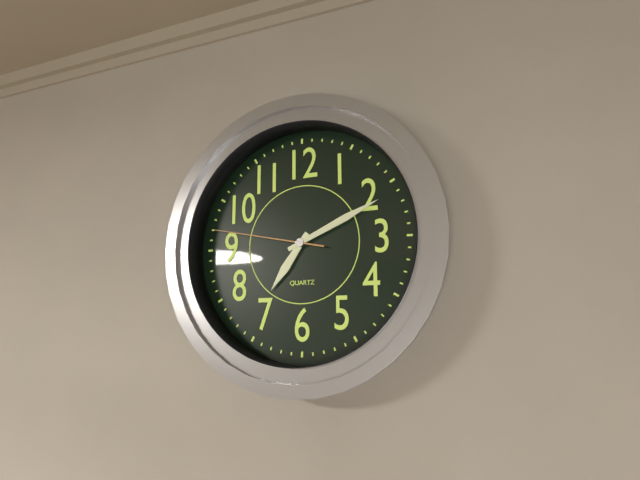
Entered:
7:11:47
